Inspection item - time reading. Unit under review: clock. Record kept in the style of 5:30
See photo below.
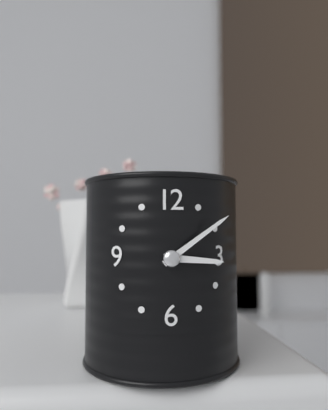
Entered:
3:09
